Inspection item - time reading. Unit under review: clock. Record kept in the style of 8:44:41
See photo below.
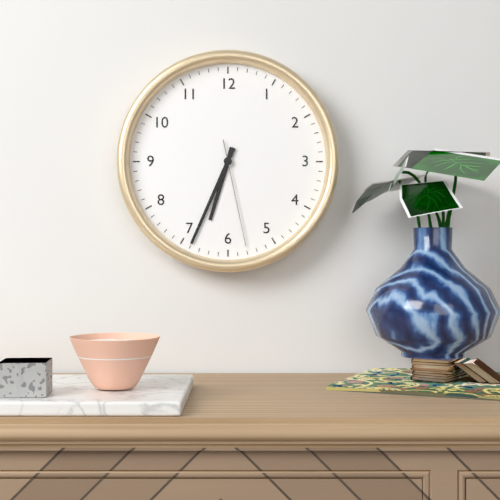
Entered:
6:34:28
